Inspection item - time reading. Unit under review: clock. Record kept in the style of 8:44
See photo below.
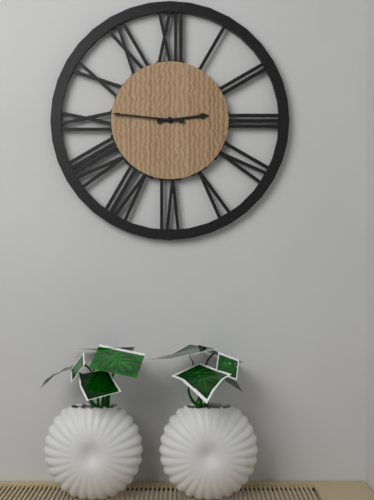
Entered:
2:46
